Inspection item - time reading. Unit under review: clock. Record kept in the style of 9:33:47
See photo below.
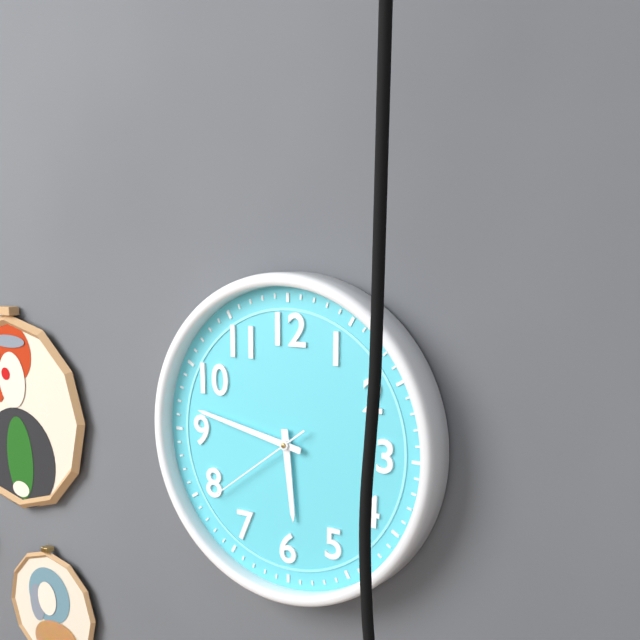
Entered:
5:47:39
